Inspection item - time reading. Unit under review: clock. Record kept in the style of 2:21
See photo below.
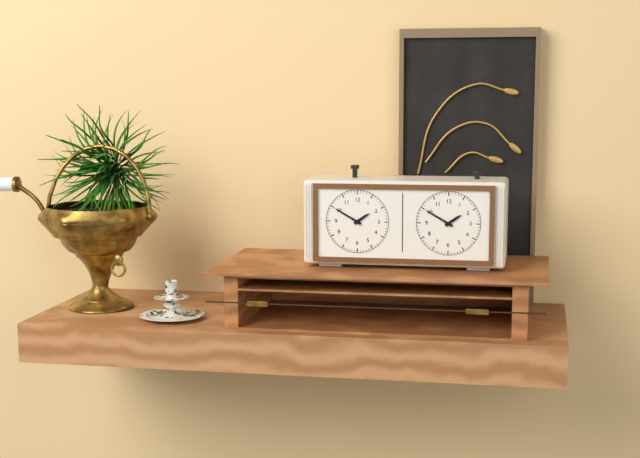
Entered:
1:50
